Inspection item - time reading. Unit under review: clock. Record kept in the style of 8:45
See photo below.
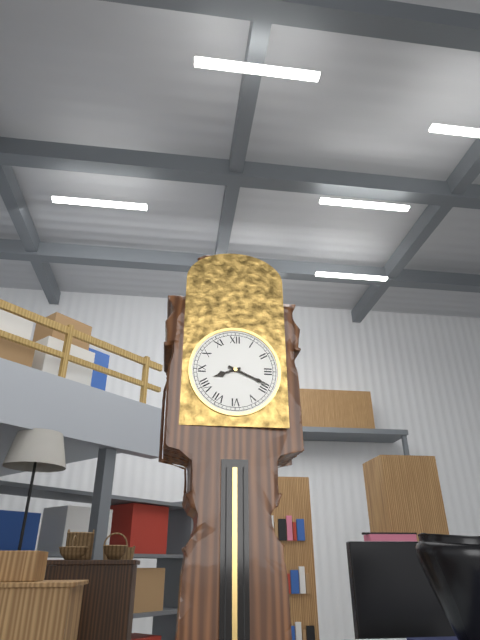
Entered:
8:19
